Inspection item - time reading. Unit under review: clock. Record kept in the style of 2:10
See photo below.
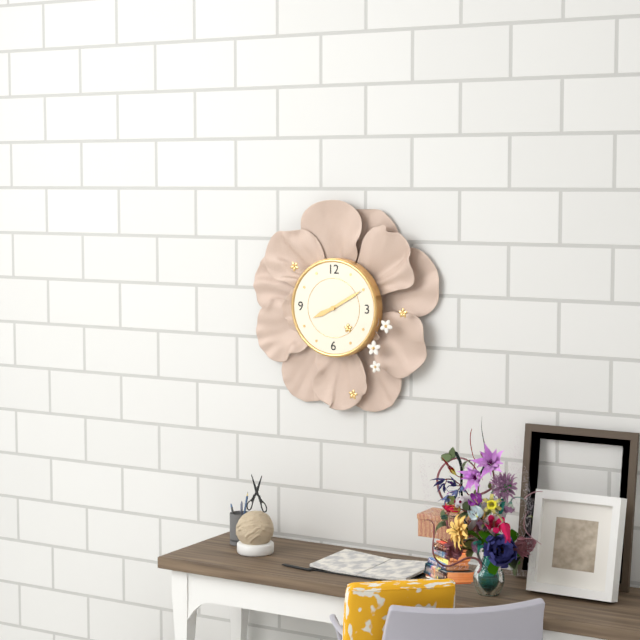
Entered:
8:10
